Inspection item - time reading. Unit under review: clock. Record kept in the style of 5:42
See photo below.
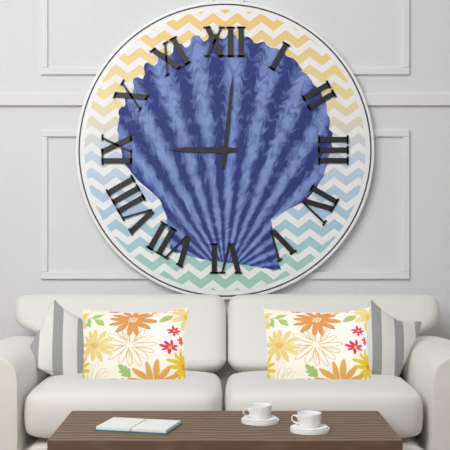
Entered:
9:01
